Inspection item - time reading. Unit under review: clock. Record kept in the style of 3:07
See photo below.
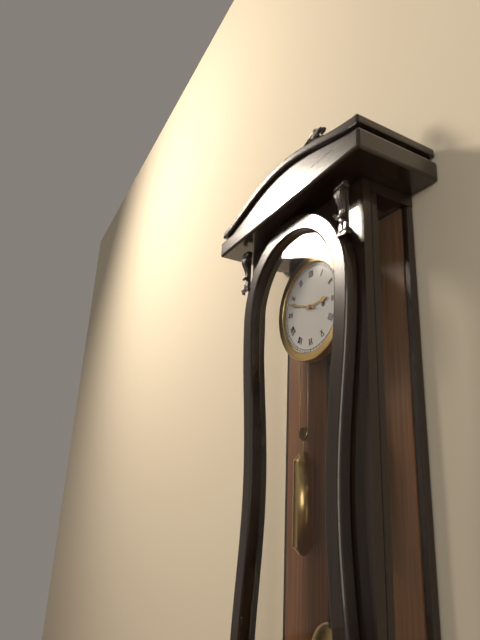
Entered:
2:48
